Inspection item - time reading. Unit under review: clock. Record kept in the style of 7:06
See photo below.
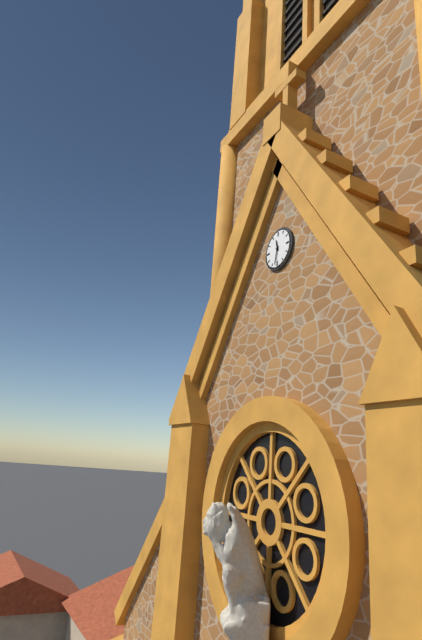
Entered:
11:32
